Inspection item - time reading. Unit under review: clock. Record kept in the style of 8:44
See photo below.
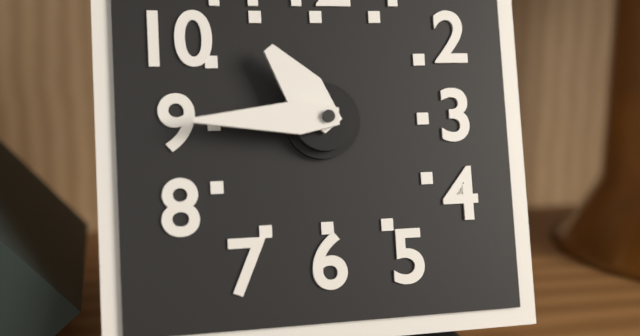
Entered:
10:45
